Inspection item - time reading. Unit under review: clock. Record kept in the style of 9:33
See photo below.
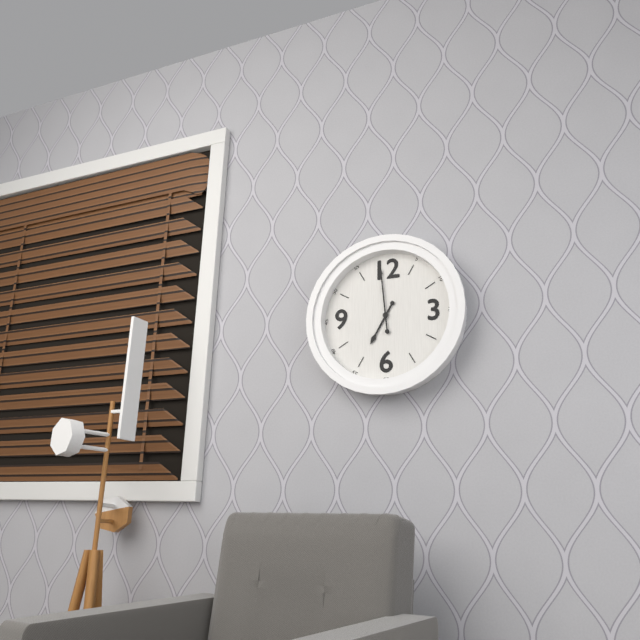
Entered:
6:59
